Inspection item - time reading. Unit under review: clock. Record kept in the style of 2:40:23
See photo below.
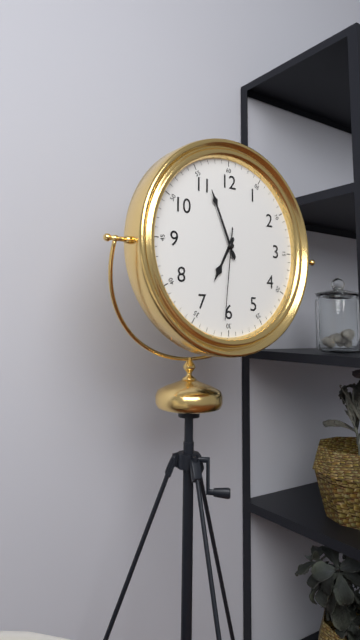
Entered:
6:56:31
